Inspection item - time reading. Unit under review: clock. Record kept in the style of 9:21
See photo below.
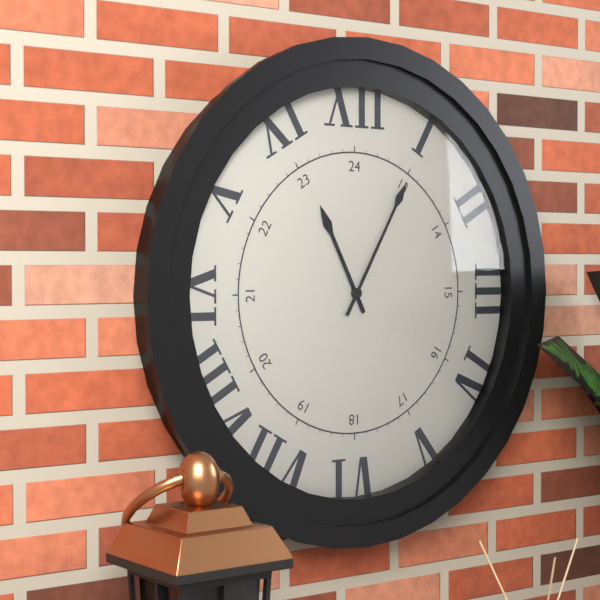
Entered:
11:05
